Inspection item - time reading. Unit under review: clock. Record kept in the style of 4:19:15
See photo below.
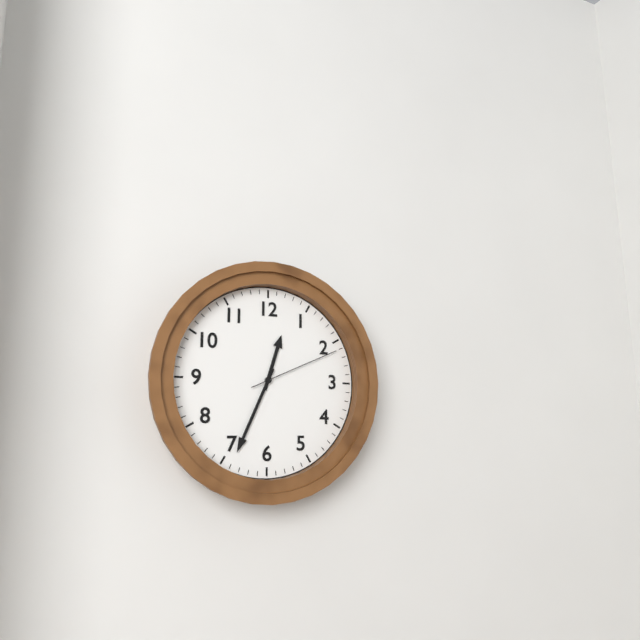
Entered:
12:34:11
